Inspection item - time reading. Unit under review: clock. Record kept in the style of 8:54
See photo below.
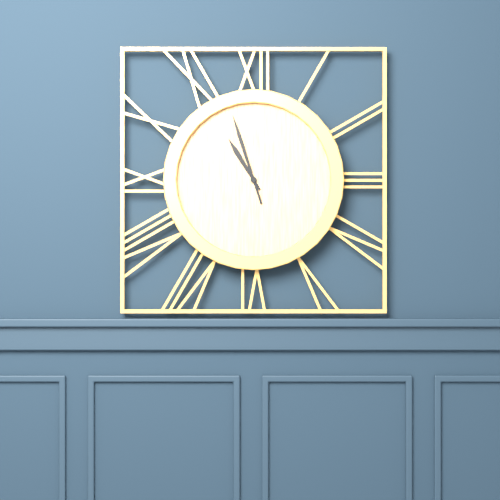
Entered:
10:57
